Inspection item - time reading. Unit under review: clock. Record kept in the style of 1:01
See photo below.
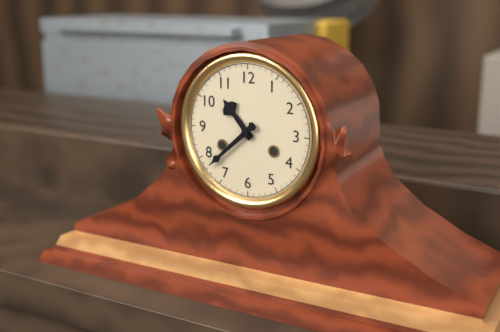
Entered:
10:38
